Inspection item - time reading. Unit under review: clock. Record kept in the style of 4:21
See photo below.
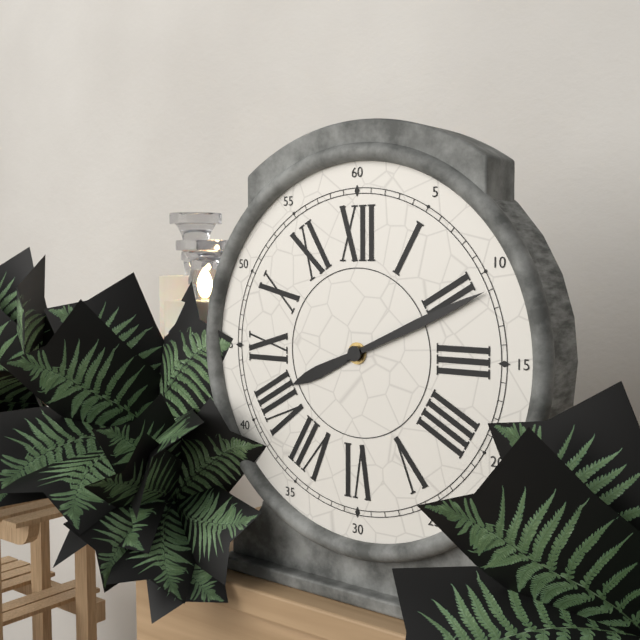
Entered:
8:11
